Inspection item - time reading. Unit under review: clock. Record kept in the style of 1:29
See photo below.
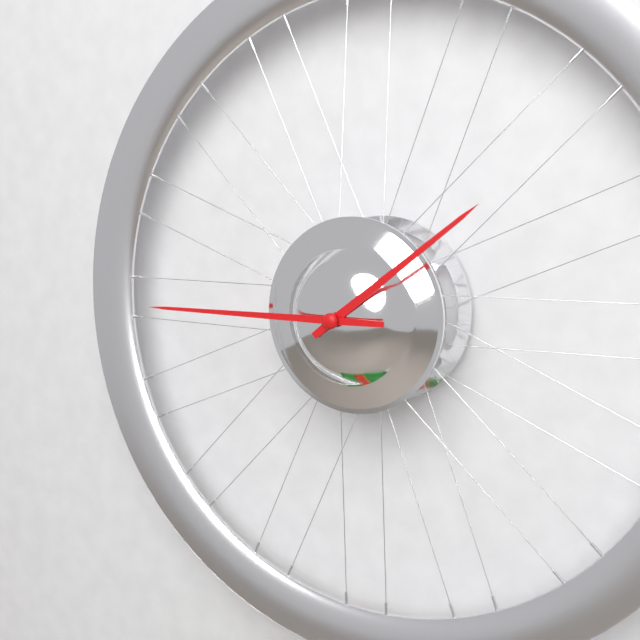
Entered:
1:45
